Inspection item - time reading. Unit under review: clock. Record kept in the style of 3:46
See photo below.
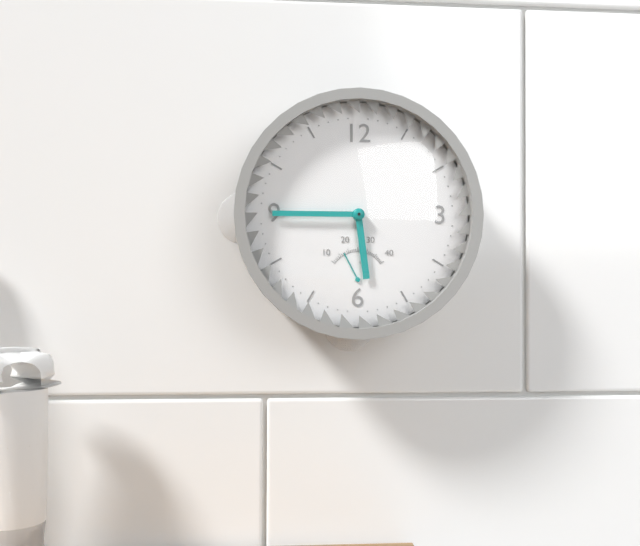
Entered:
5:45
